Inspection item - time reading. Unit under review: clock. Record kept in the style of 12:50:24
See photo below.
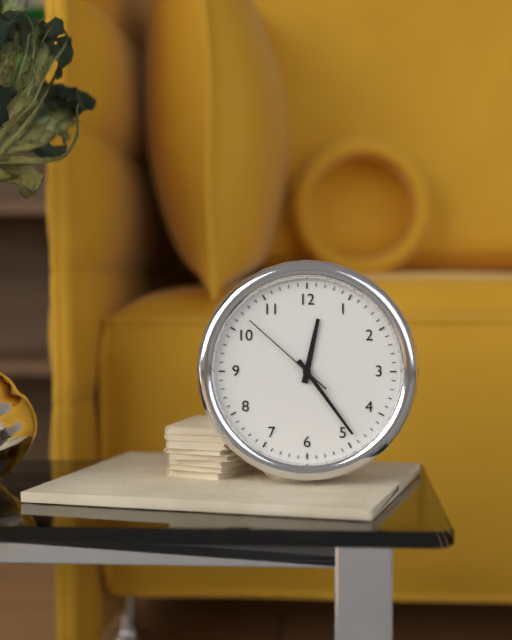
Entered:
12:24:52
